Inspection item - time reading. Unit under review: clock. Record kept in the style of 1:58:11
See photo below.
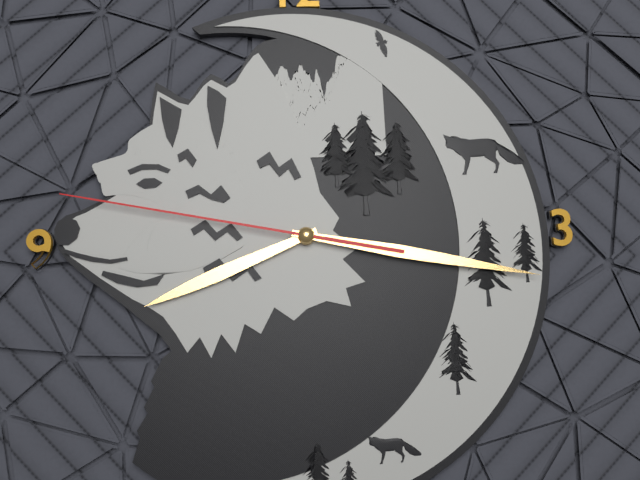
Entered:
8:17:47
